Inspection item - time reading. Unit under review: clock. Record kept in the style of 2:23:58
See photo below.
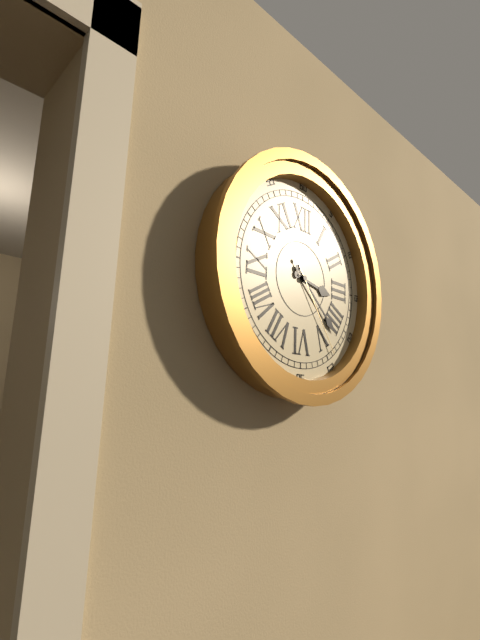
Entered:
3:22:24
